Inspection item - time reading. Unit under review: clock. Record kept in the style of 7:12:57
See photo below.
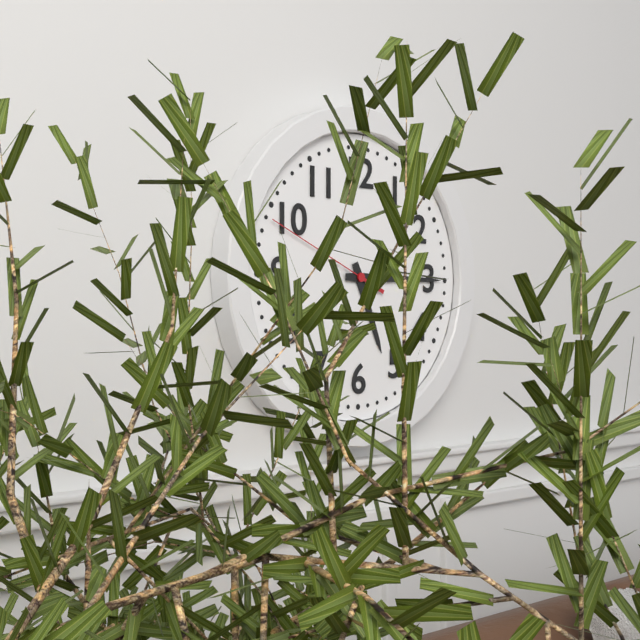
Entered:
5:15:49
